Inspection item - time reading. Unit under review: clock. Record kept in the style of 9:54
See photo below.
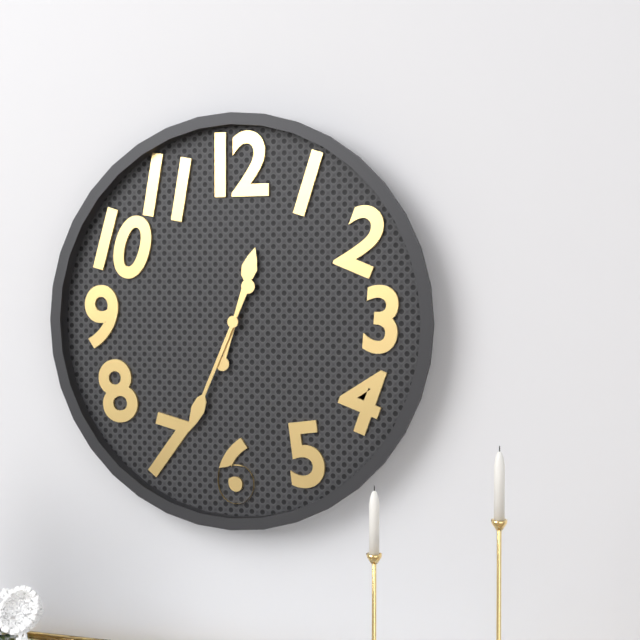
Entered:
12:34
